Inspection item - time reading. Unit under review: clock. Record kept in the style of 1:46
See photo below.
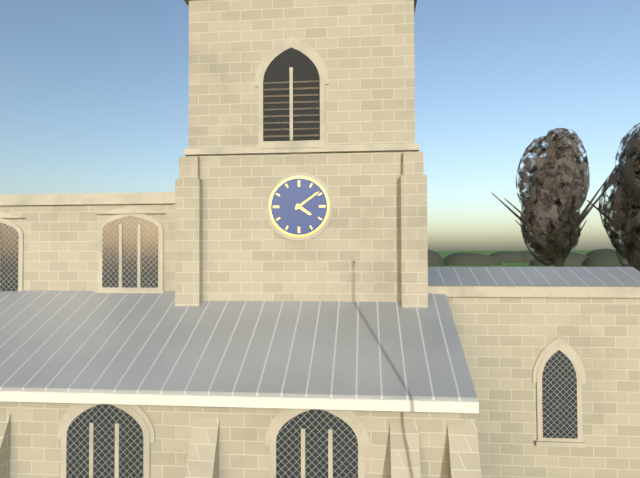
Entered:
4:09
